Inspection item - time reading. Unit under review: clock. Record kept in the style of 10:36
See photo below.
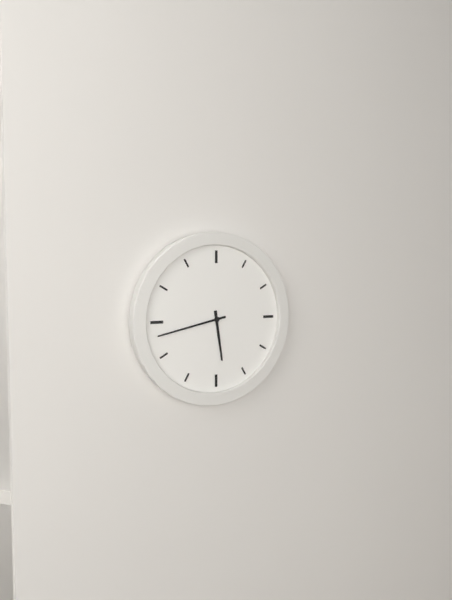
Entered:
5:43
